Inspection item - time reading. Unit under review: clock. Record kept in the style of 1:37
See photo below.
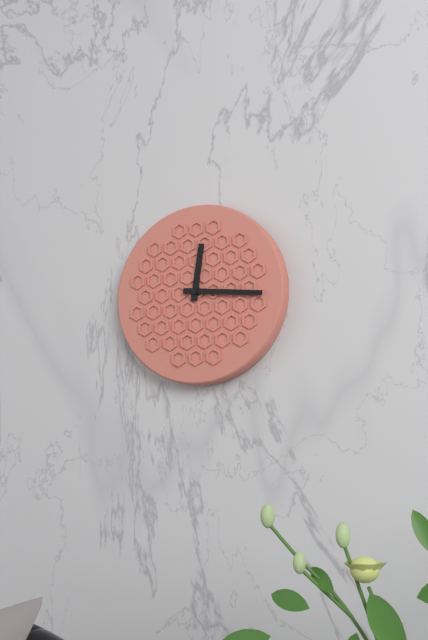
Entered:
12:16
